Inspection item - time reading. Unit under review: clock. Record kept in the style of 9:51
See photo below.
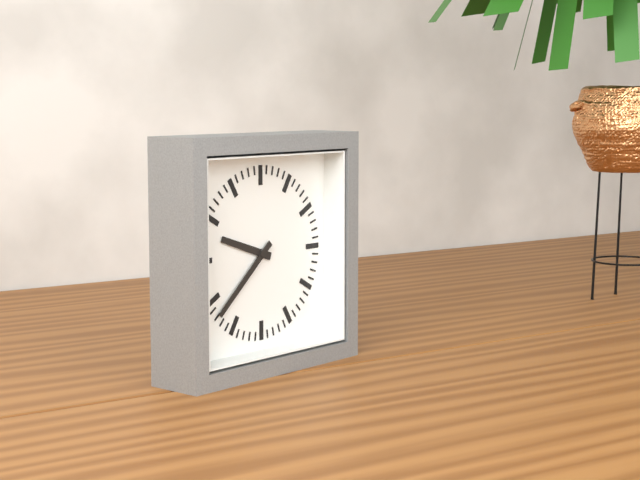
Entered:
9:38
